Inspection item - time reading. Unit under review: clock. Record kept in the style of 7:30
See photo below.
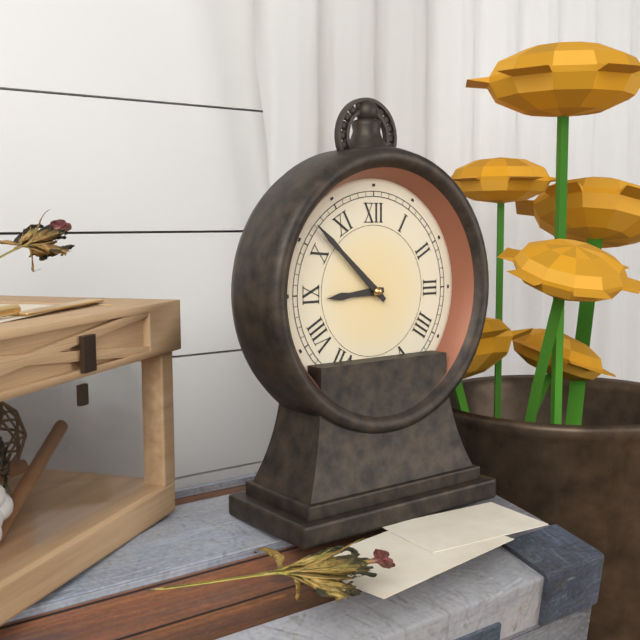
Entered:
8:52
